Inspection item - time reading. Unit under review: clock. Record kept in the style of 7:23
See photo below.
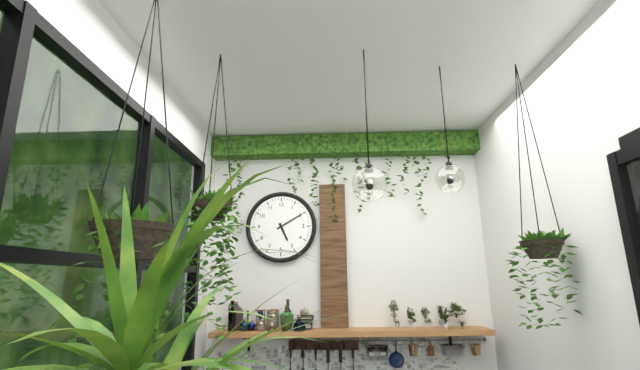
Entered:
5:10
